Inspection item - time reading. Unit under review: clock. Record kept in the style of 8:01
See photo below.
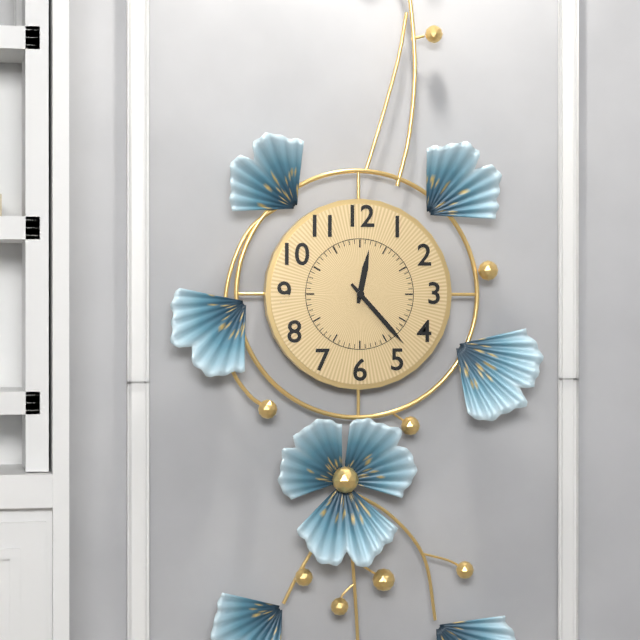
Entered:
12:23
